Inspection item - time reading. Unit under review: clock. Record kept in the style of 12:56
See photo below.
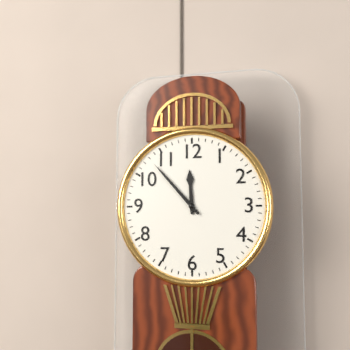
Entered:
11:53
